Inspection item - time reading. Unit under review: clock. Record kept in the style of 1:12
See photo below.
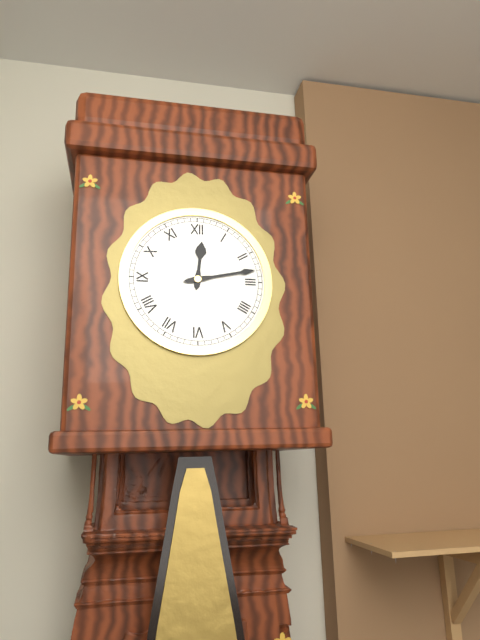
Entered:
12:13
